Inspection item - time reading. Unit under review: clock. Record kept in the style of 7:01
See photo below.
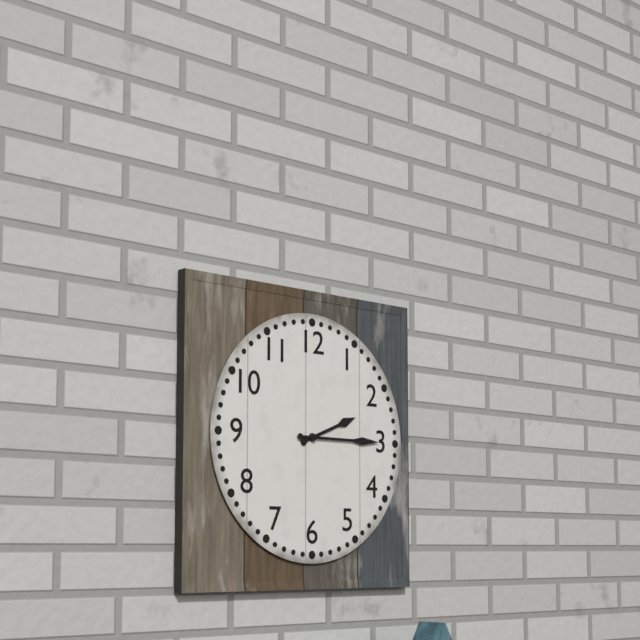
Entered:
2:15
